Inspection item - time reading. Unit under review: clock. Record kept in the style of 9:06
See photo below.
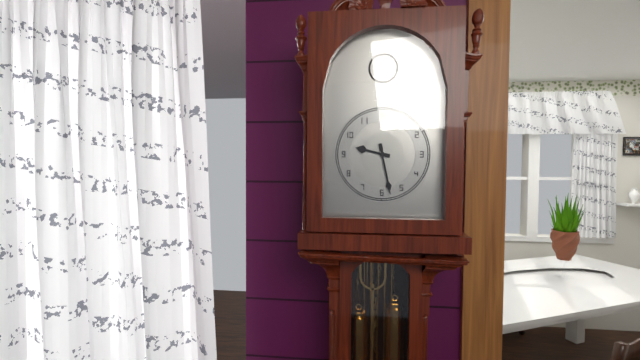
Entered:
9:28
